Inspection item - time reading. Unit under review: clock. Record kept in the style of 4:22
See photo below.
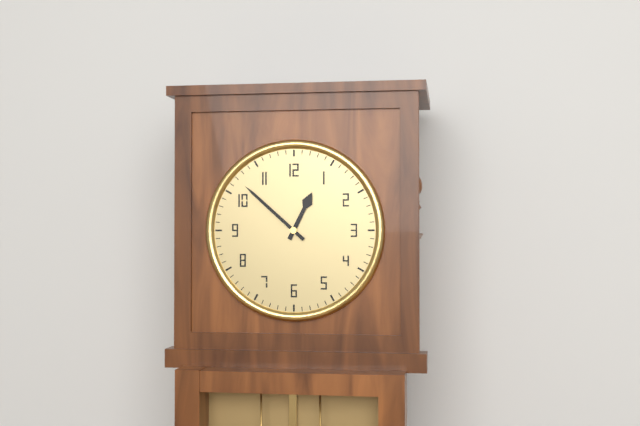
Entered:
12:52
